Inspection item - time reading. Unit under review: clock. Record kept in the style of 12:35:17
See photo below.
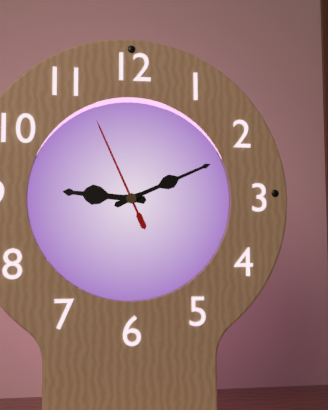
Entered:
9:11:56
